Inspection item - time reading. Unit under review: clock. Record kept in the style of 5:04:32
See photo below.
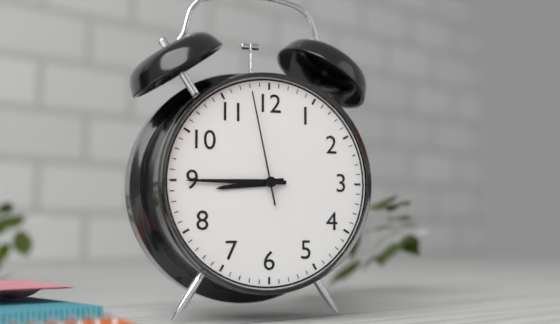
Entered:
8:45:58
